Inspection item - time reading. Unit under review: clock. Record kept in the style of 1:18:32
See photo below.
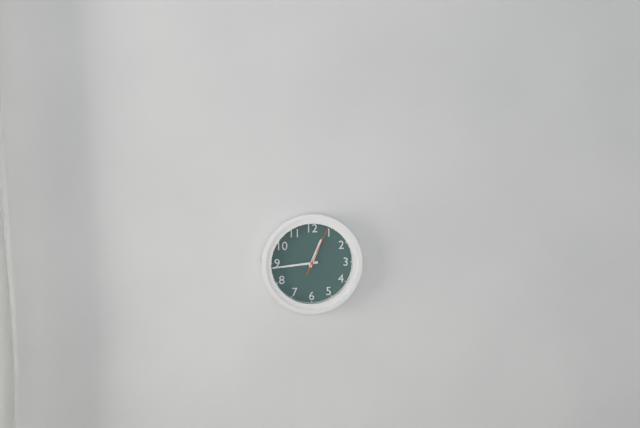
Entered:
12:44:04
